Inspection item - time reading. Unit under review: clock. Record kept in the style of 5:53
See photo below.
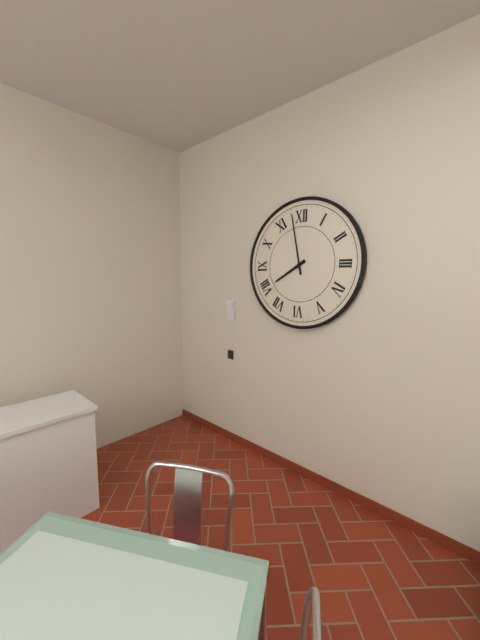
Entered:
7:58
